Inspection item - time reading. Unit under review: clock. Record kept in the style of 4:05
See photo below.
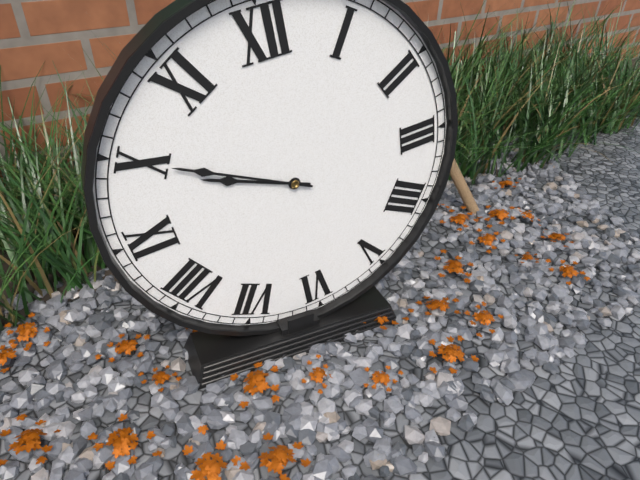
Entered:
9:50
